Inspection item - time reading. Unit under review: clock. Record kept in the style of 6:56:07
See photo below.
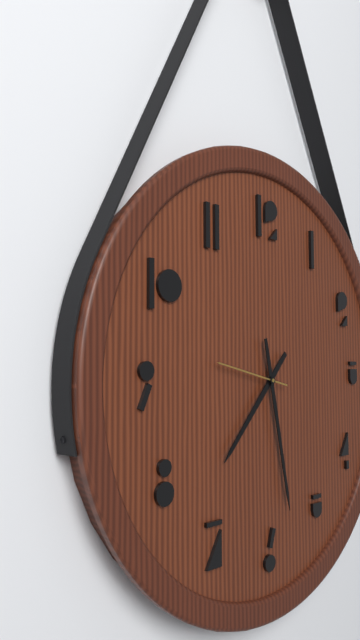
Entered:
7:28:47
